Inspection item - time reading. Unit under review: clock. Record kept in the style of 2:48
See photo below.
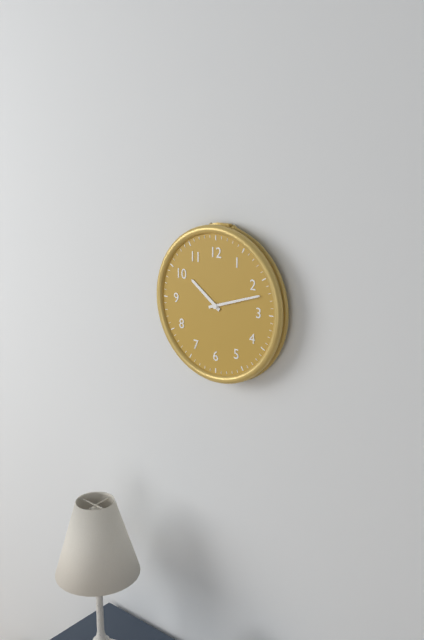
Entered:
10:12
